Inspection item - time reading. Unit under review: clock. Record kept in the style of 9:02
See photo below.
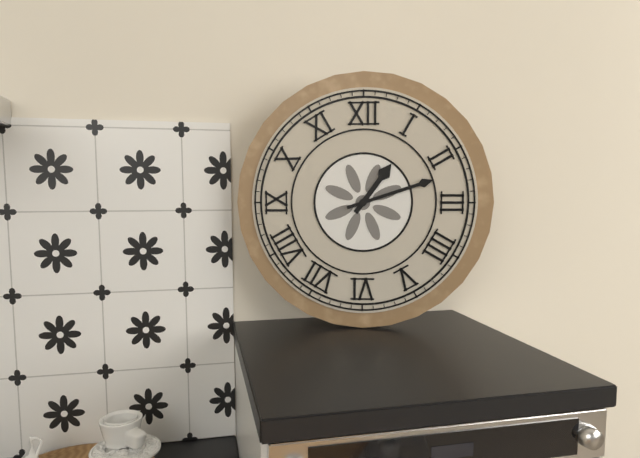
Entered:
1:12
